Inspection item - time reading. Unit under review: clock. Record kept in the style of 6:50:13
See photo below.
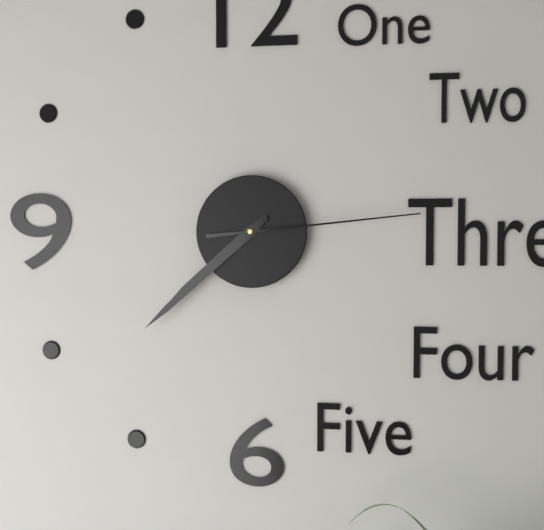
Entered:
7:38:14
